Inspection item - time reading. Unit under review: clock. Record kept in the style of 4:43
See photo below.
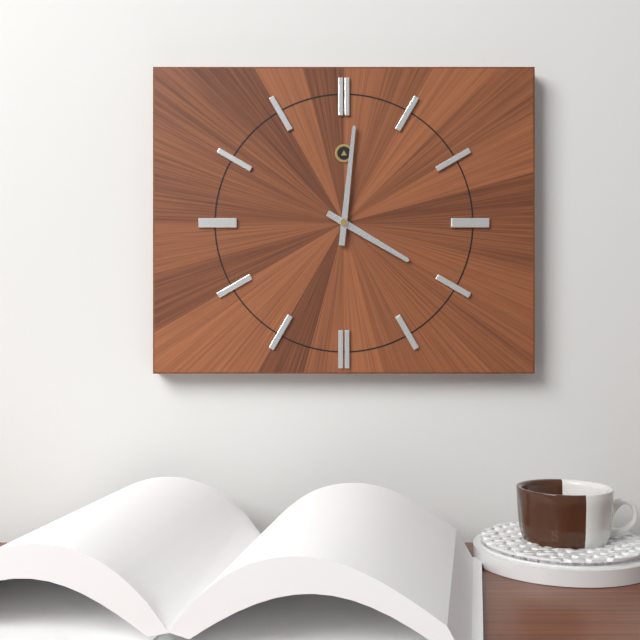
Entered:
4:01
